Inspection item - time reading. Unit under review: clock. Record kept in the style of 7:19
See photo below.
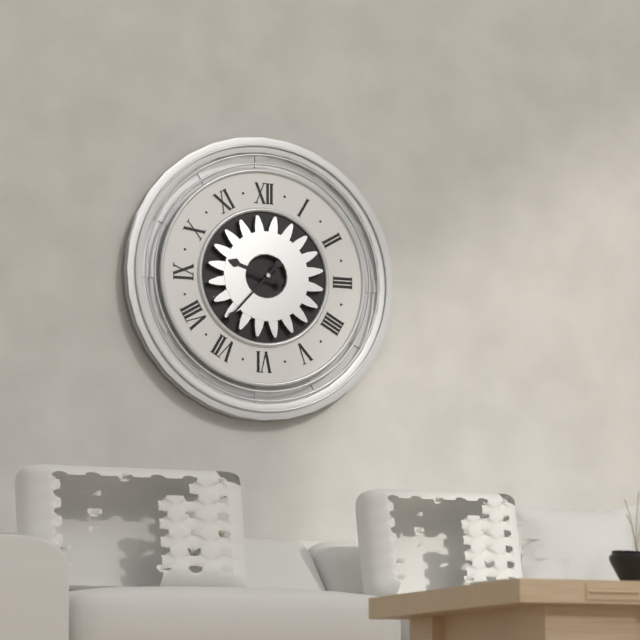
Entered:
9:37
